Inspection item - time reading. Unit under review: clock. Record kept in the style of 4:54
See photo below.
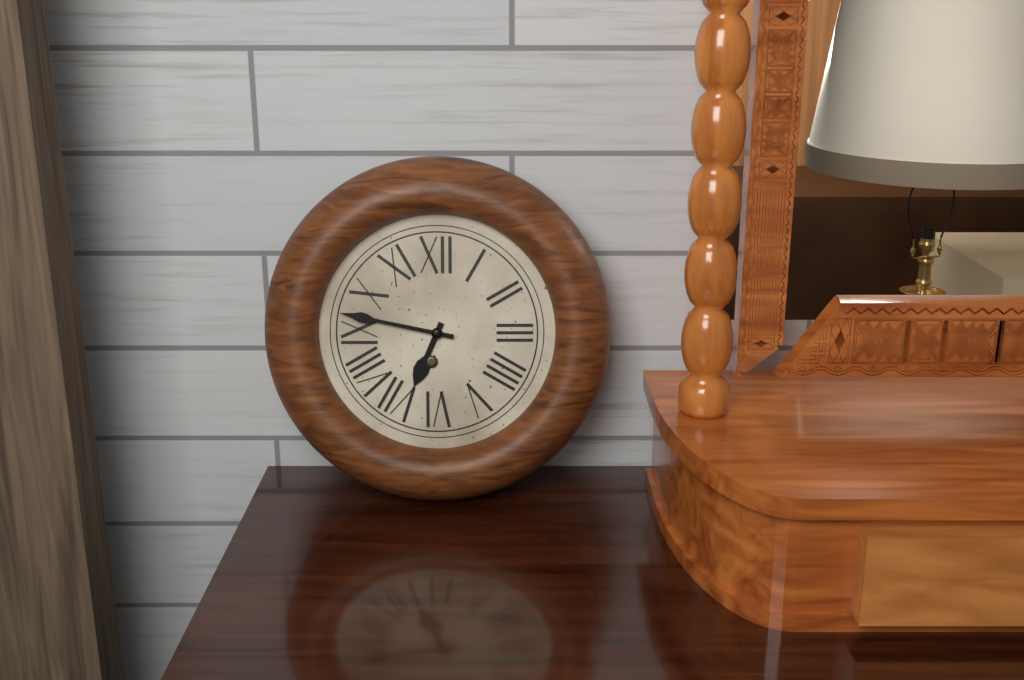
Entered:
6:47
